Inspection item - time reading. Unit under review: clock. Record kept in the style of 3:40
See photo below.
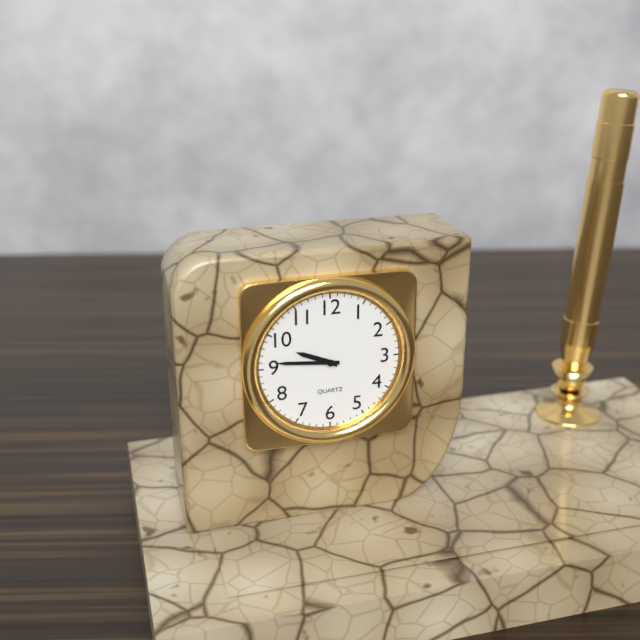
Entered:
9:46
